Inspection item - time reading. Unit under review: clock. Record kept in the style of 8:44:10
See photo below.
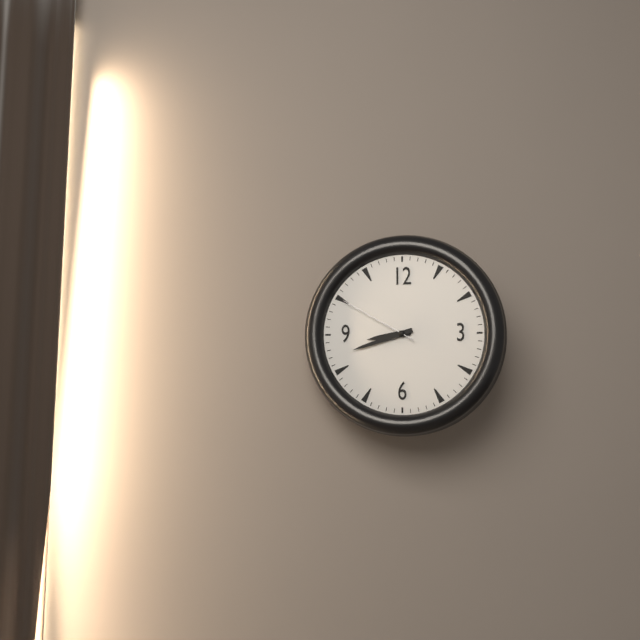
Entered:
8:42:50
